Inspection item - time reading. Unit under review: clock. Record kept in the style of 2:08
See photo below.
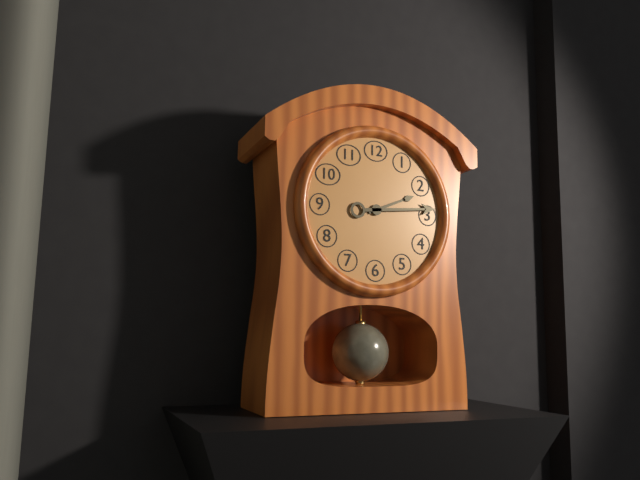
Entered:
2:14
